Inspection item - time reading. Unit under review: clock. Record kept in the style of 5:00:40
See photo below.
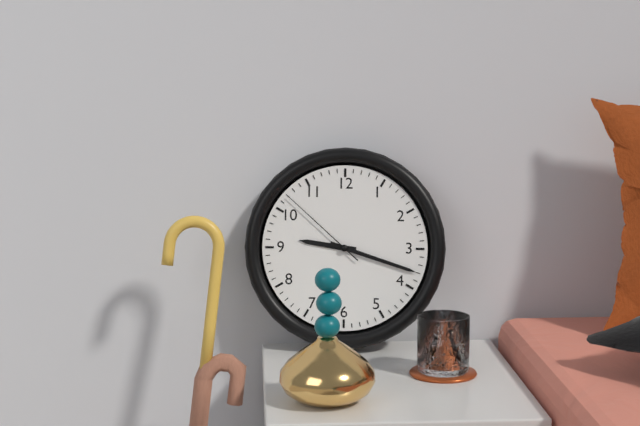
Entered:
9:18:52
